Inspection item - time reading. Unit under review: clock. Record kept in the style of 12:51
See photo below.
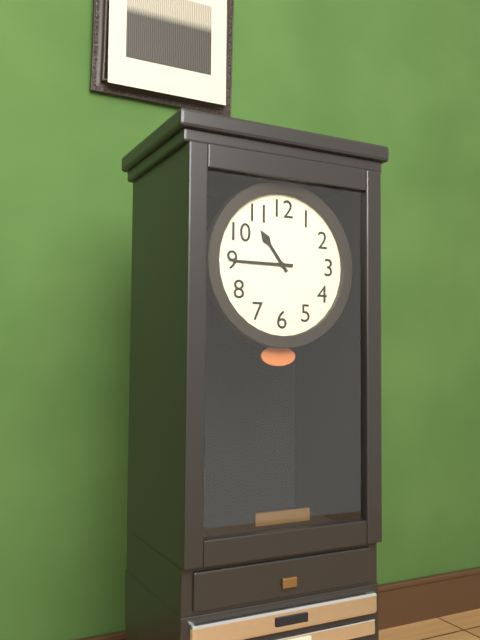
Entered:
10:45
